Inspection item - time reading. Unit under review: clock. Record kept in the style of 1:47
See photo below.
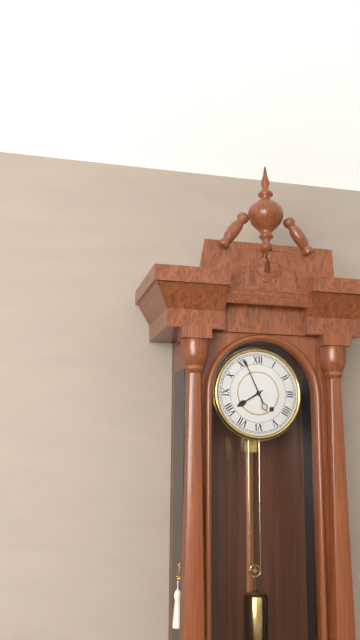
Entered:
7:56
